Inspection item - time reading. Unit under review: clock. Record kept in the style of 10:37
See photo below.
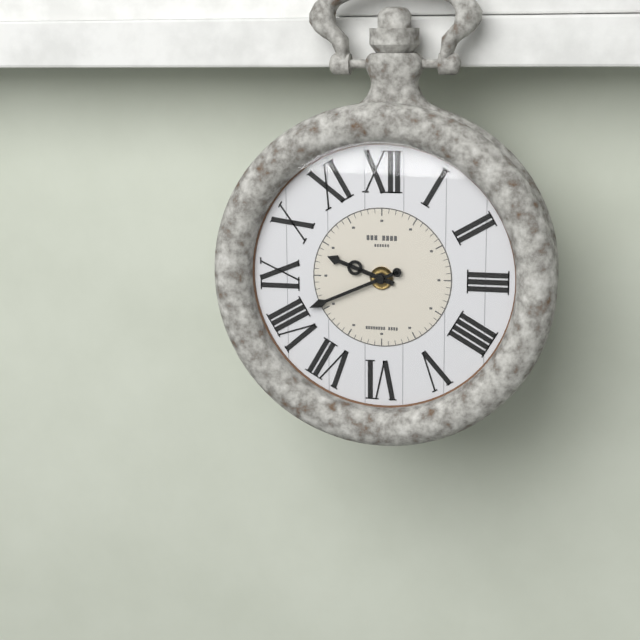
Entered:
9:41
